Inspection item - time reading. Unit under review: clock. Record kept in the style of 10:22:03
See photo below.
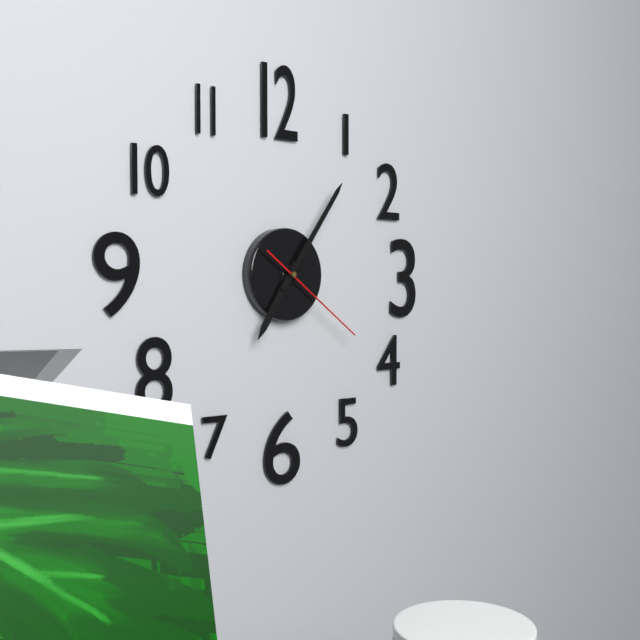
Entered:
7:06:21
